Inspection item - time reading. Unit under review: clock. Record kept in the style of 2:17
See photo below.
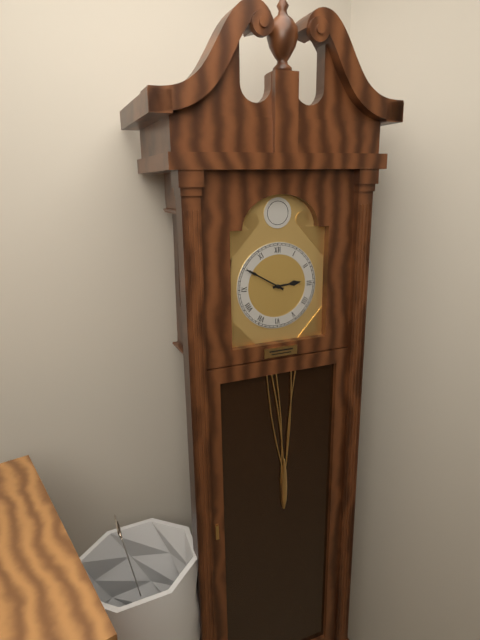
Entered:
2:50
